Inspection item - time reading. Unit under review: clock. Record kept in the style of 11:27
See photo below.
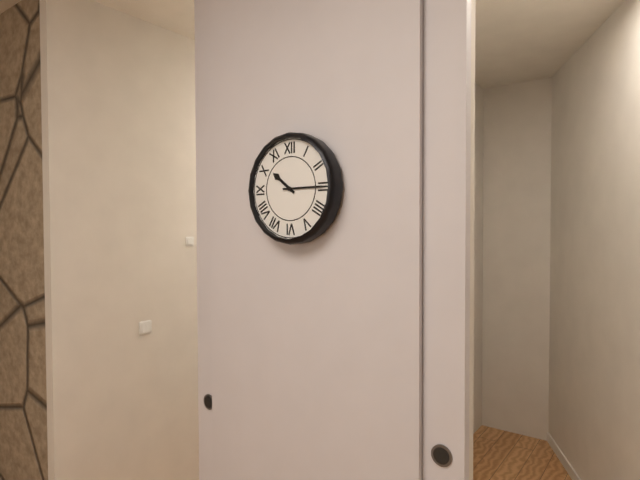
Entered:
10:15
